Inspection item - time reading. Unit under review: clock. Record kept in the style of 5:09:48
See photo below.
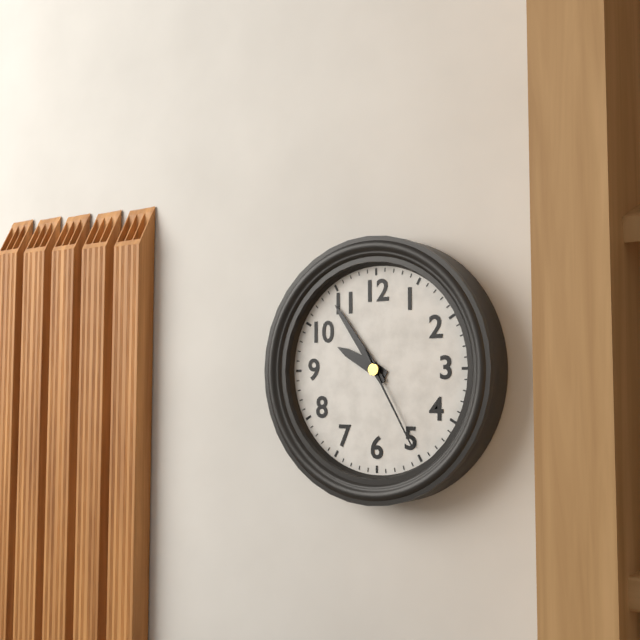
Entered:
9:54:25
